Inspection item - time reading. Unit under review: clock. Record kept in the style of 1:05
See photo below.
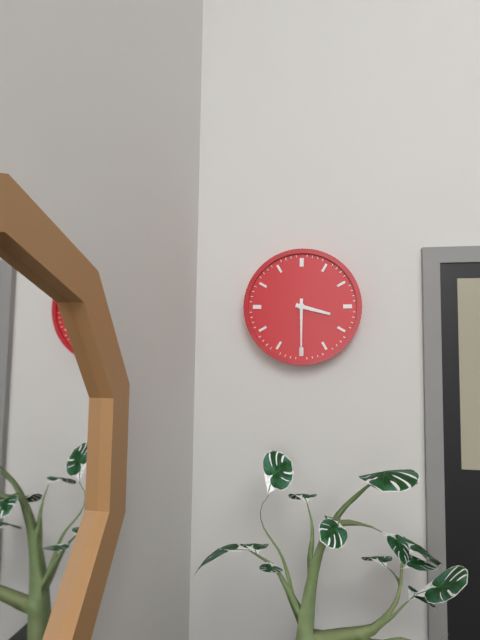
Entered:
3:30
